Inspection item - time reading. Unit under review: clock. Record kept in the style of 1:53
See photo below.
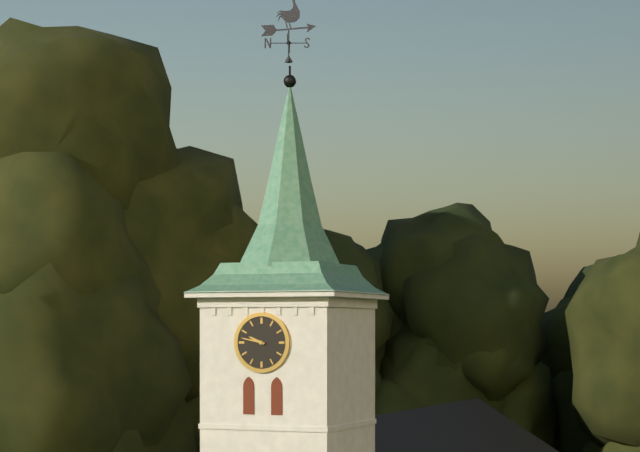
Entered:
9:47
